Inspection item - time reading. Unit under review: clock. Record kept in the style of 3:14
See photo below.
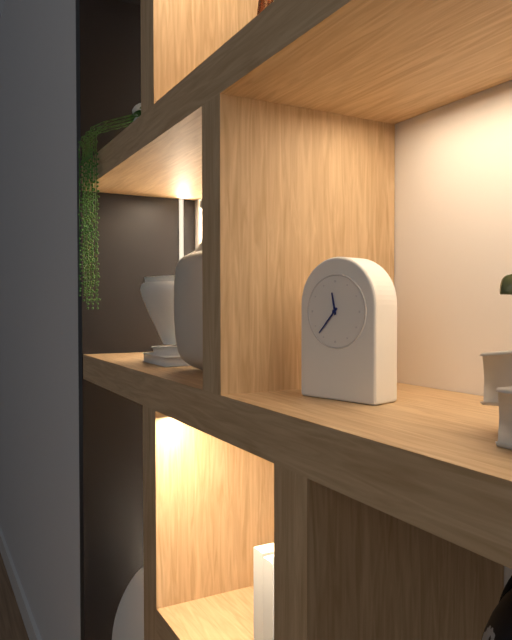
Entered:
11:37
